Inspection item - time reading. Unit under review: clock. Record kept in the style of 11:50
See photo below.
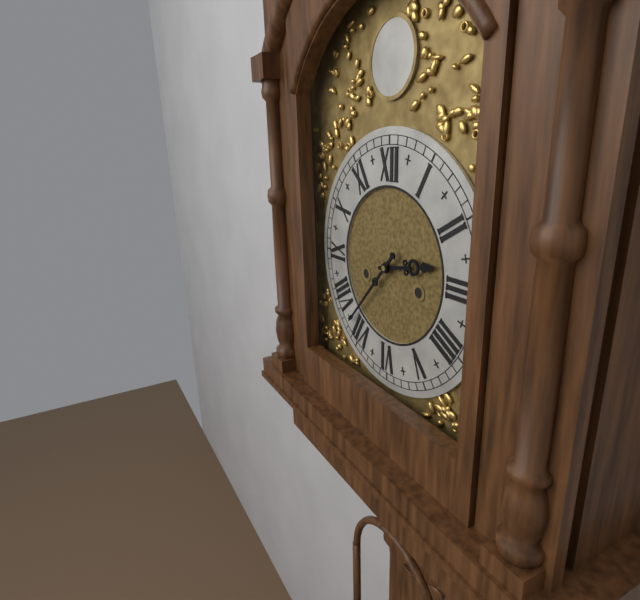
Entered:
2:37
